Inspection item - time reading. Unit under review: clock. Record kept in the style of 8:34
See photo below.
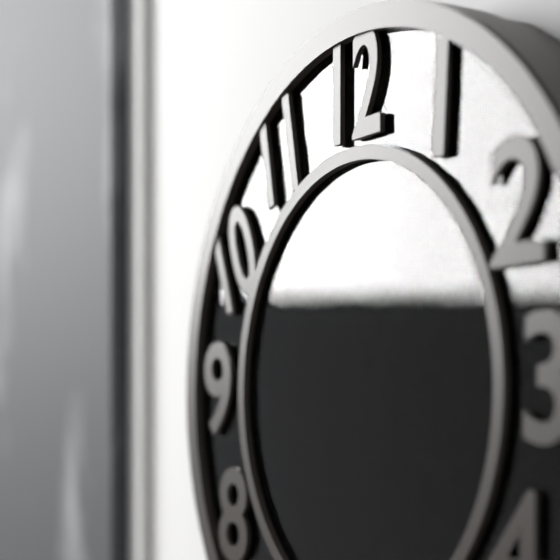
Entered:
2:11
